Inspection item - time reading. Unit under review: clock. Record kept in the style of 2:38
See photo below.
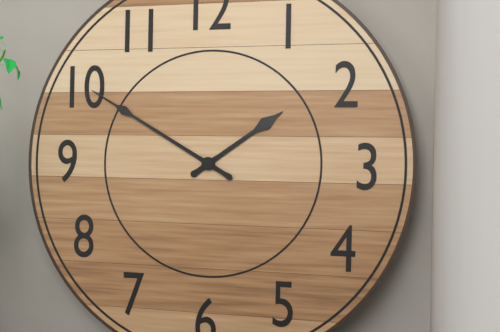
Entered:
1:50
